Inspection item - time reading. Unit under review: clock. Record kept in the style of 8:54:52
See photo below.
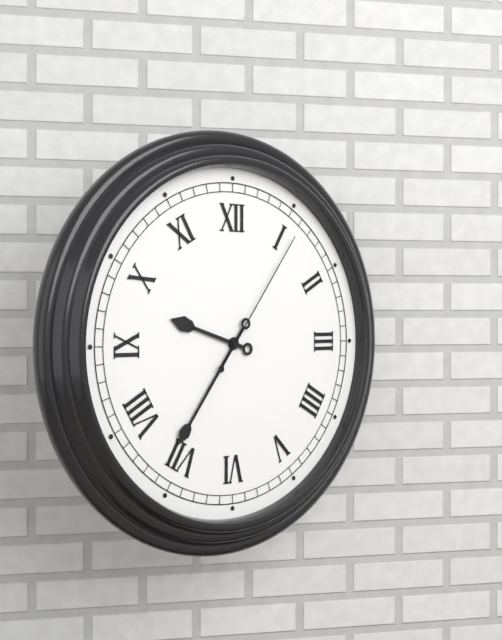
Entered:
9:36:06
